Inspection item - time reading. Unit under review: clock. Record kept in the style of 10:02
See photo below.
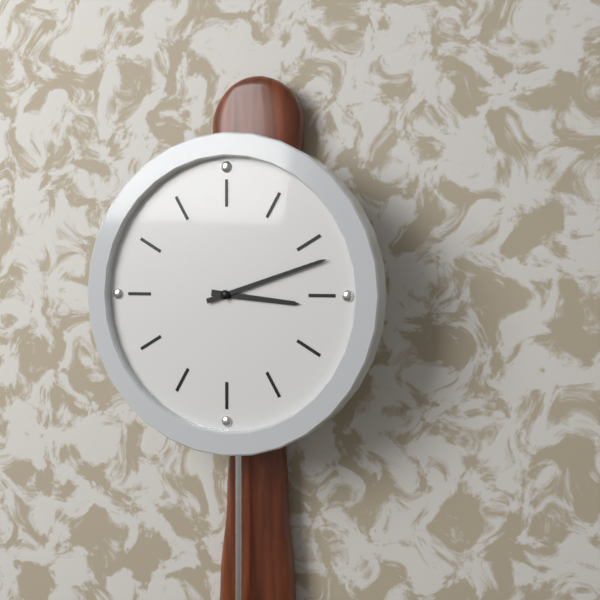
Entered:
3:12
